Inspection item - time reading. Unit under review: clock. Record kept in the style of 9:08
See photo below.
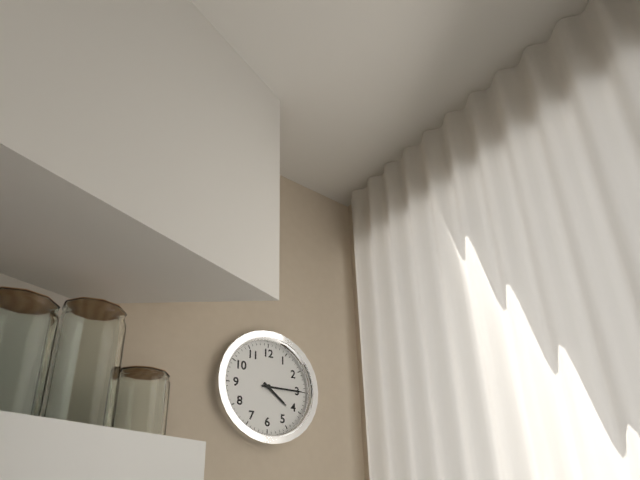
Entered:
4:15
